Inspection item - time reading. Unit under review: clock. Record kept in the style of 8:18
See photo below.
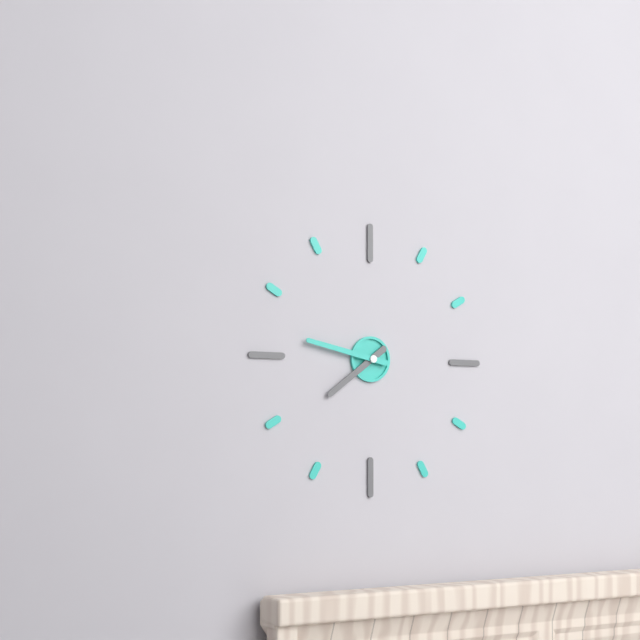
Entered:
7:47
